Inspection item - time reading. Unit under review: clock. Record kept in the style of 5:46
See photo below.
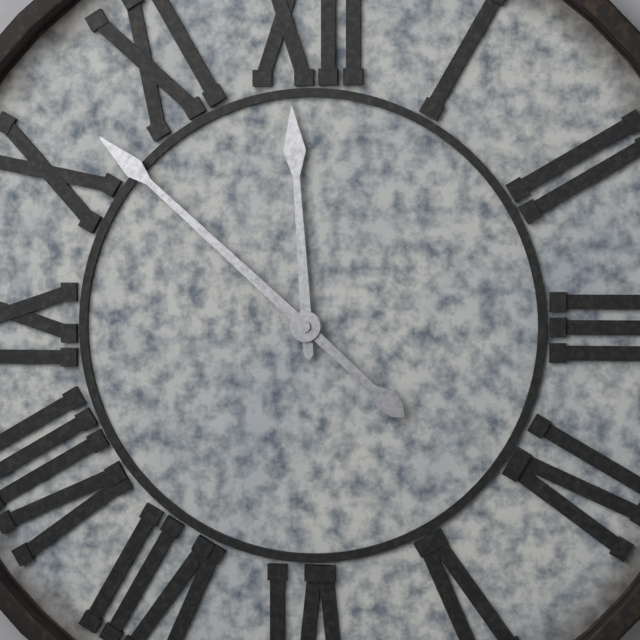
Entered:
11:52
